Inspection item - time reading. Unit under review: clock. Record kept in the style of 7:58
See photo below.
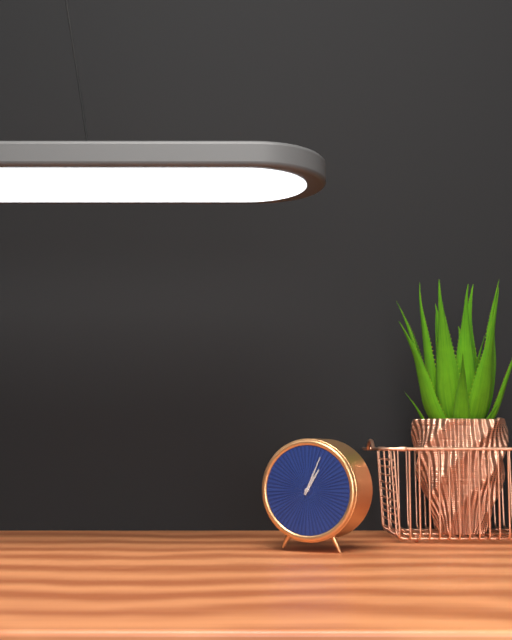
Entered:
1:04
